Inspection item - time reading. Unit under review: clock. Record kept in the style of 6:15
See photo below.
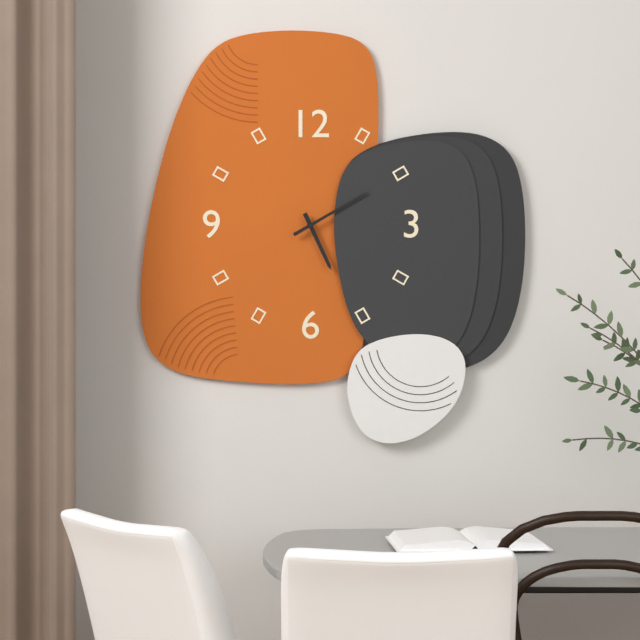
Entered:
5:10
